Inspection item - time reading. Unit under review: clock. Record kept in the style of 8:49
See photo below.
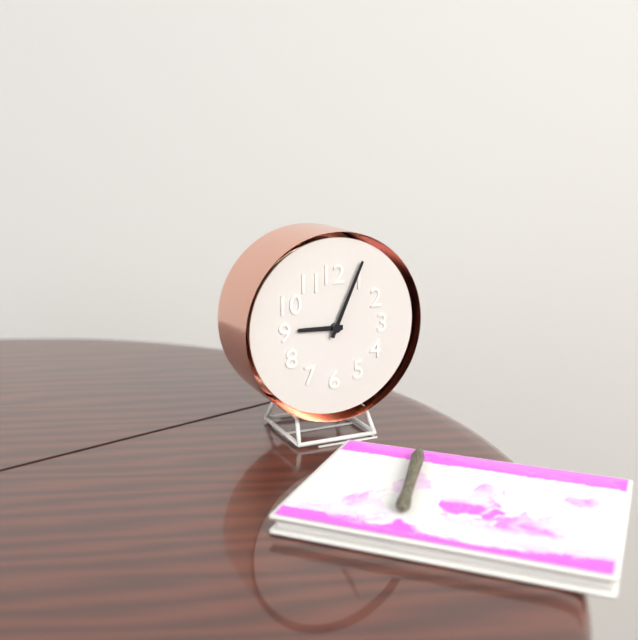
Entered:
9:04
